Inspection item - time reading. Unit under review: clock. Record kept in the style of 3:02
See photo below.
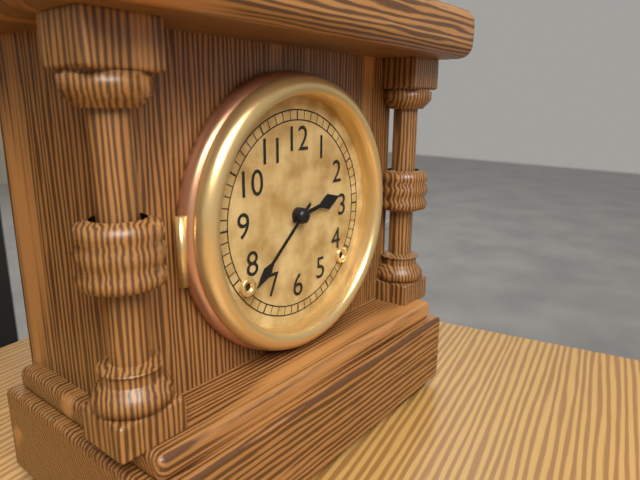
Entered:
2:38
